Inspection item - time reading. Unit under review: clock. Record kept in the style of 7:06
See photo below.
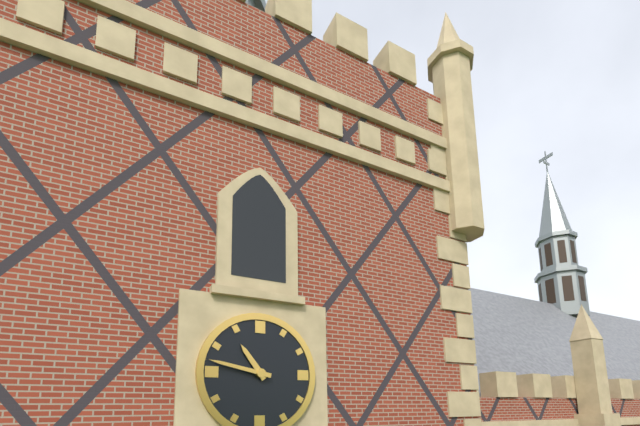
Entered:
10:47
